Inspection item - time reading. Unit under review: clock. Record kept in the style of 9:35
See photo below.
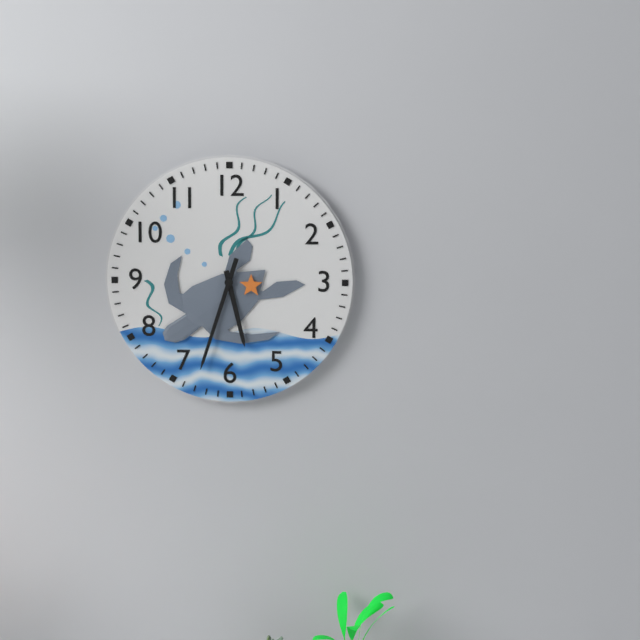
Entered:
5:33
